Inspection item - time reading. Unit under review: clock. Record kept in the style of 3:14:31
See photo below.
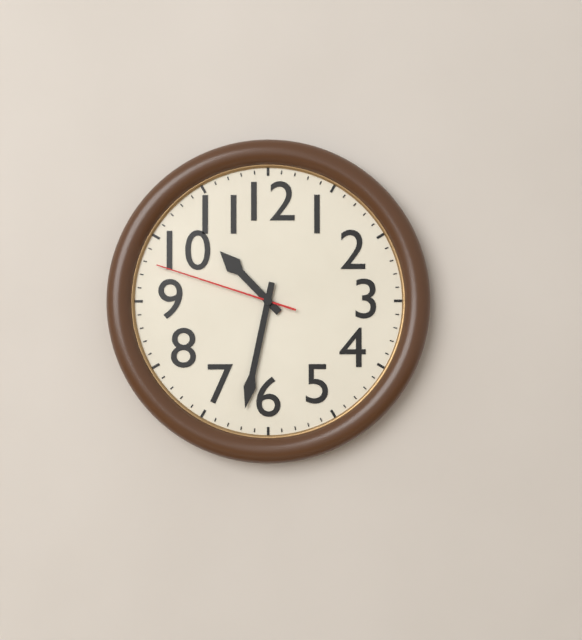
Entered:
10:32:48
